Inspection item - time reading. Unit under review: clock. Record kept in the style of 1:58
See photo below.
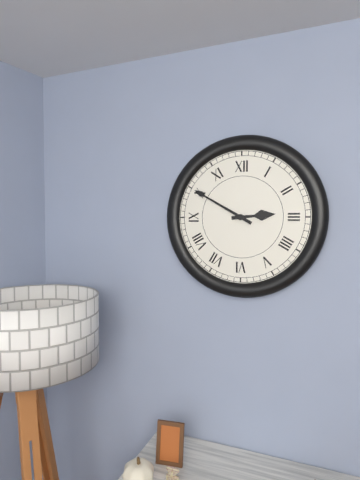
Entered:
2:50
